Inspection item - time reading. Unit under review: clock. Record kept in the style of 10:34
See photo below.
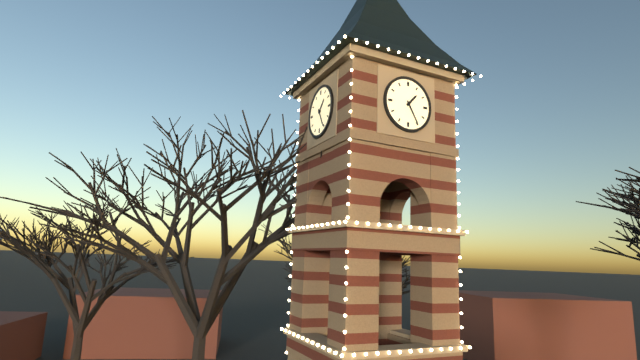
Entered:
1:25
